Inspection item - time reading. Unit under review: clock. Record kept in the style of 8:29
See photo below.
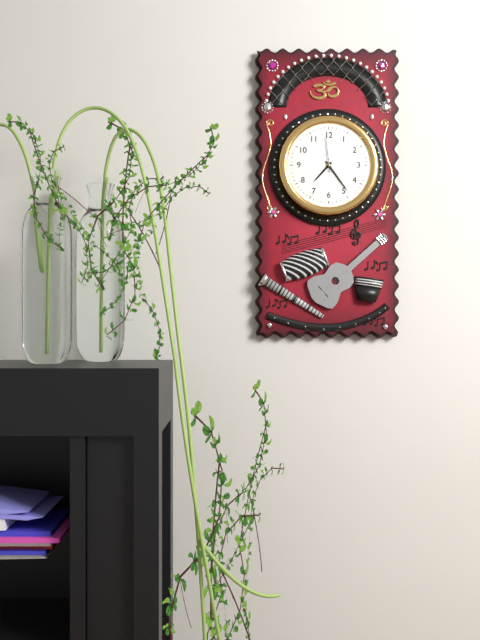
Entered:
7:24
